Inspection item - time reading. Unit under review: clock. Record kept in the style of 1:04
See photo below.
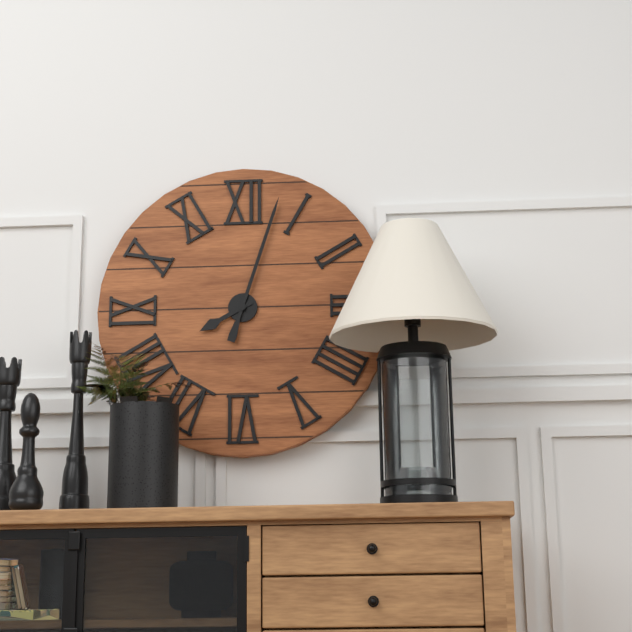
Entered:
8:03
